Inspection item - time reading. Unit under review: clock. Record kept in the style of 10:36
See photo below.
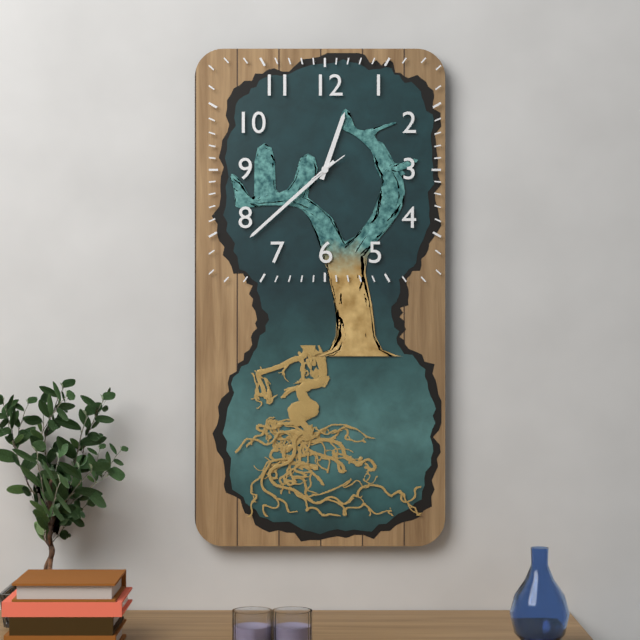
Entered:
12:38
